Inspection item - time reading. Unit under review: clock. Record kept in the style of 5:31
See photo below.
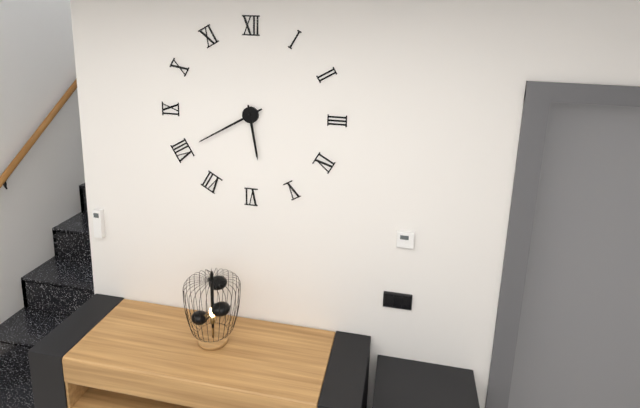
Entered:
5:40
